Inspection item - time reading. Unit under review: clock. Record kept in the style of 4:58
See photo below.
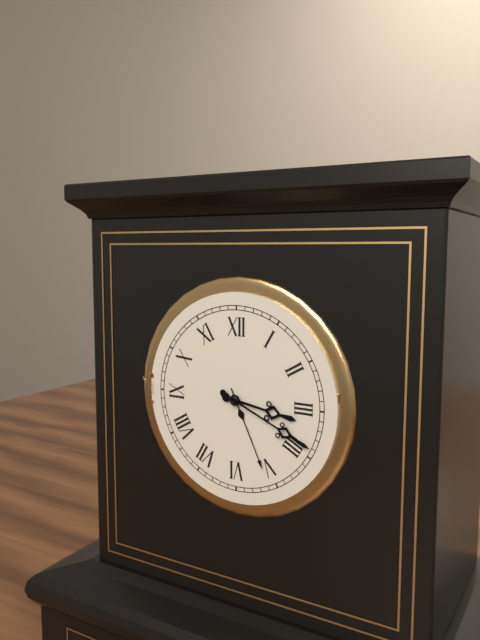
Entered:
3:19
